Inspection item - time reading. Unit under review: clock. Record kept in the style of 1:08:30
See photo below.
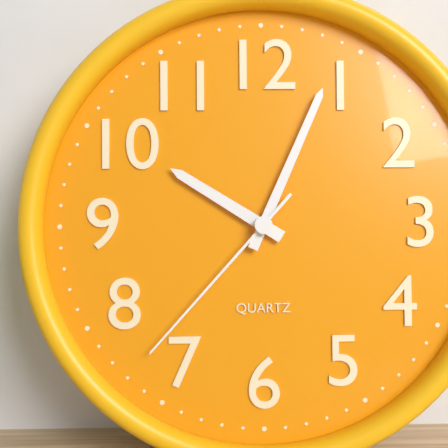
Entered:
10:04:37
